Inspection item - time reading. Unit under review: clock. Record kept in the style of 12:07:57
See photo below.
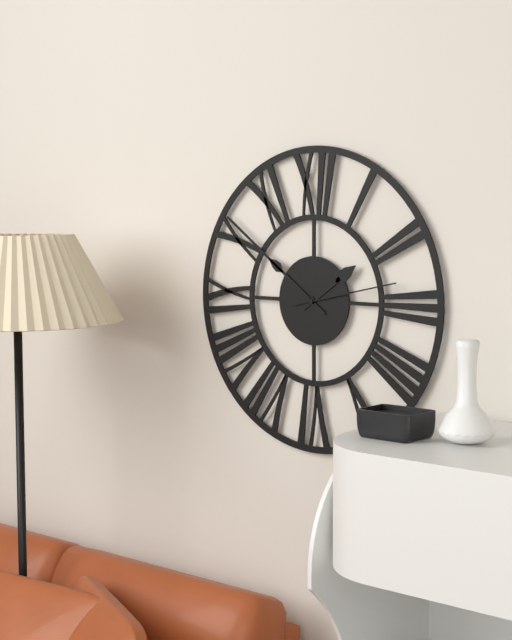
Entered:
1:51:13
